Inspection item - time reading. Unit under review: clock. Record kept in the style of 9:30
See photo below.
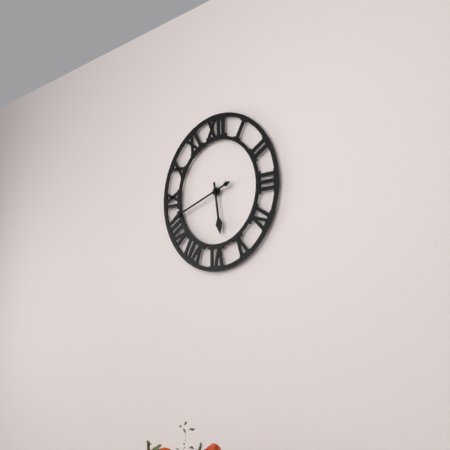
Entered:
5:42
